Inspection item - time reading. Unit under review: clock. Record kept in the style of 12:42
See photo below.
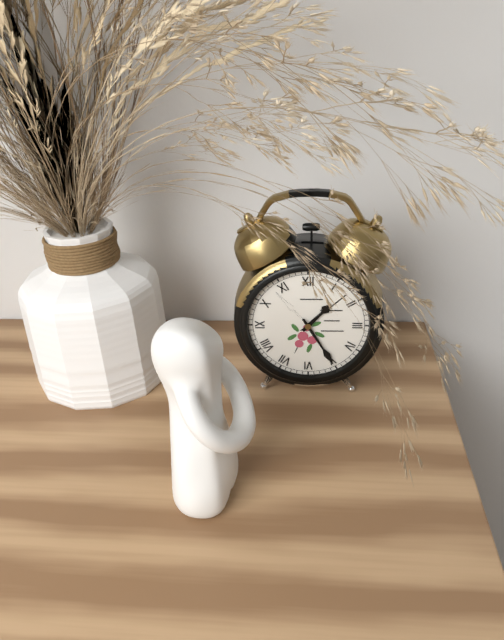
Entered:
1:25
